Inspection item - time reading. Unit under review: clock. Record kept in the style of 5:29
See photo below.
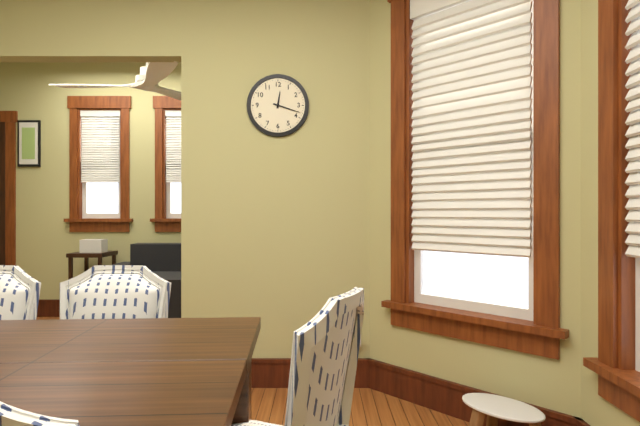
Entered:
12:18
